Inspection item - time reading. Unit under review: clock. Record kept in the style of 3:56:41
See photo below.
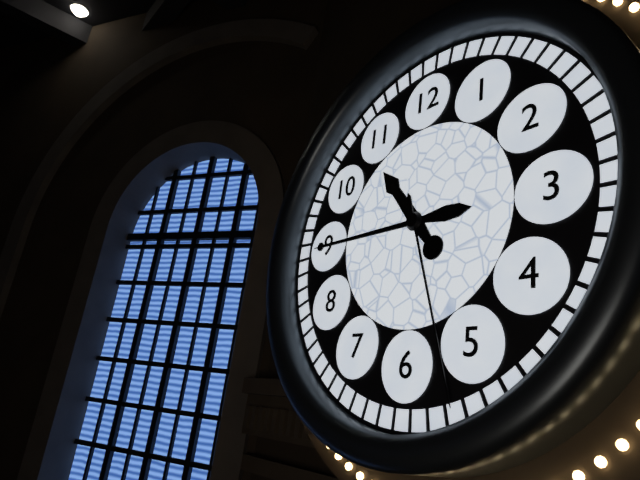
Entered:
10:45:27
